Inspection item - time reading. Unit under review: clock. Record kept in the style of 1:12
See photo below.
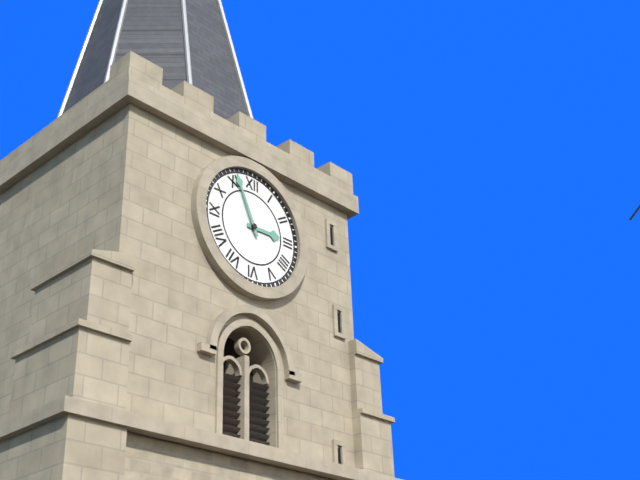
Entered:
2:56
